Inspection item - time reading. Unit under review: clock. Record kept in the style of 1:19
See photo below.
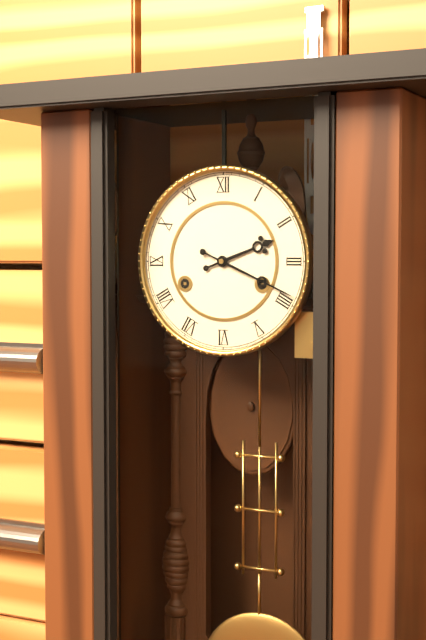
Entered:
2:19
